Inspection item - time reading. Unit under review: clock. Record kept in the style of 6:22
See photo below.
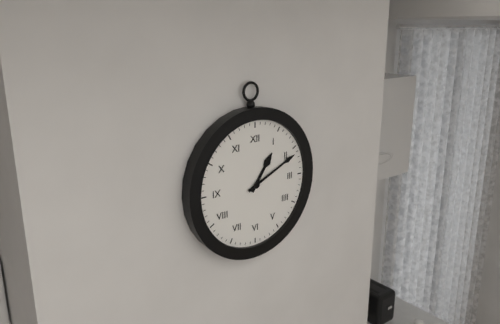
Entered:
1:11
